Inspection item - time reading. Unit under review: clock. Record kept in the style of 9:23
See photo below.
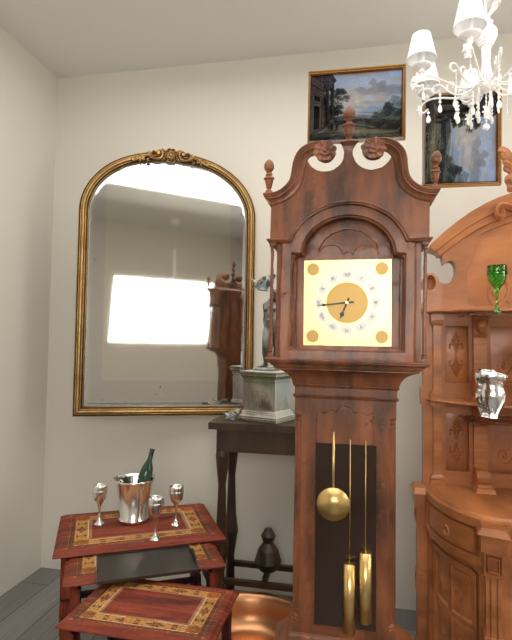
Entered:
6:44
